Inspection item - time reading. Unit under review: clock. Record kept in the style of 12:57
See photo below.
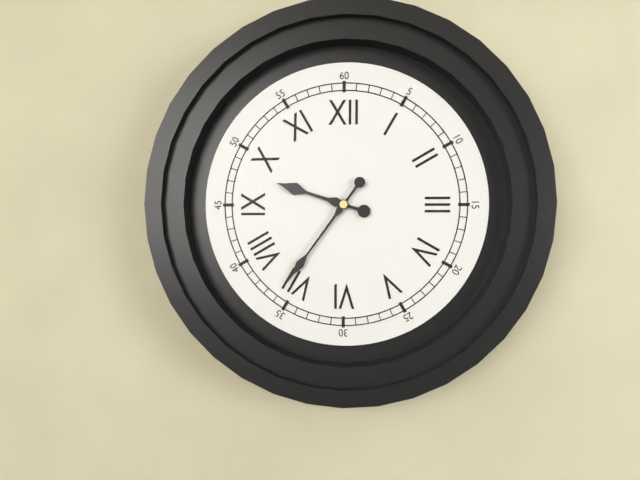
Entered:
9:36
